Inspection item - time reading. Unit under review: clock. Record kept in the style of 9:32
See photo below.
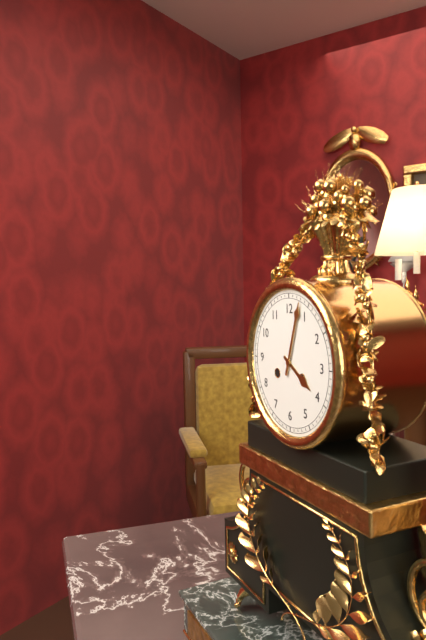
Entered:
4:03
